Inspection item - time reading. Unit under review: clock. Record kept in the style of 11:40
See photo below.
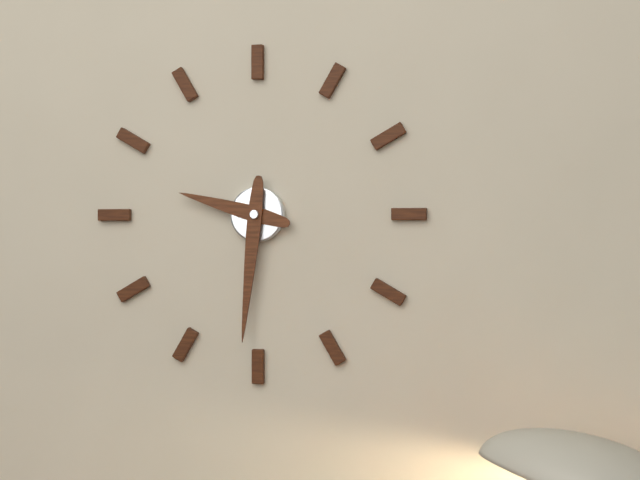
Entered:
9:31
